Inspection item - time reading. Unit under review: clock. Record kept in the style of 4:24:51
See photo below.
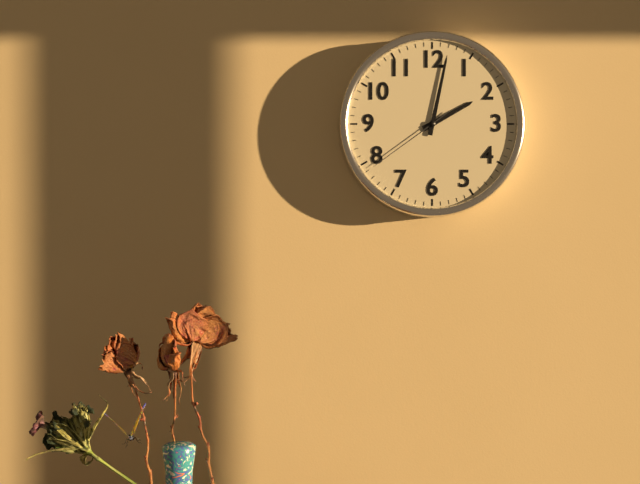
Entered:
2:02:39
